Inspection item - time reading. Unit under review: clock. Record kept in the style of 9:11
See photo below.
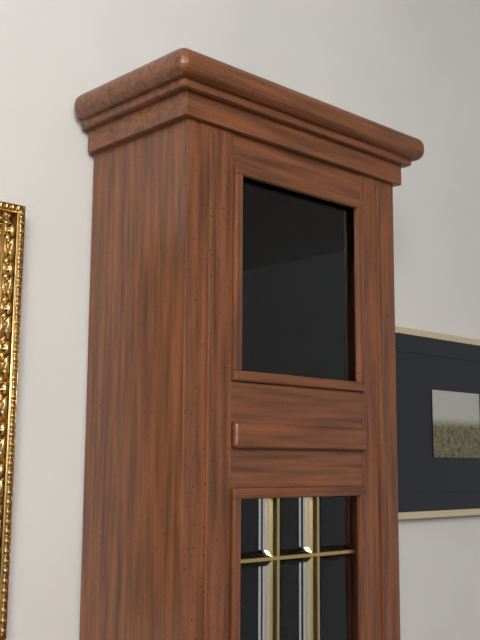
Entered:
10:23
